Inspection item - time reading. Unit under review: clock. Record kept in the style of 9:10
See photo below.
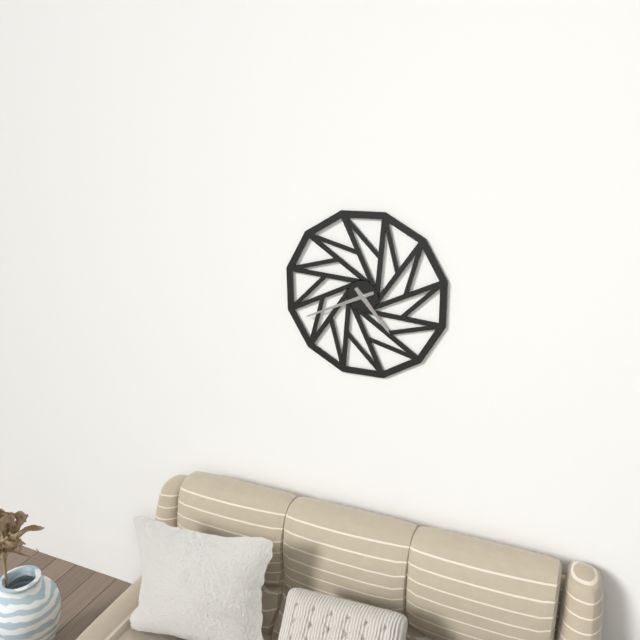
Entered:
4:41
